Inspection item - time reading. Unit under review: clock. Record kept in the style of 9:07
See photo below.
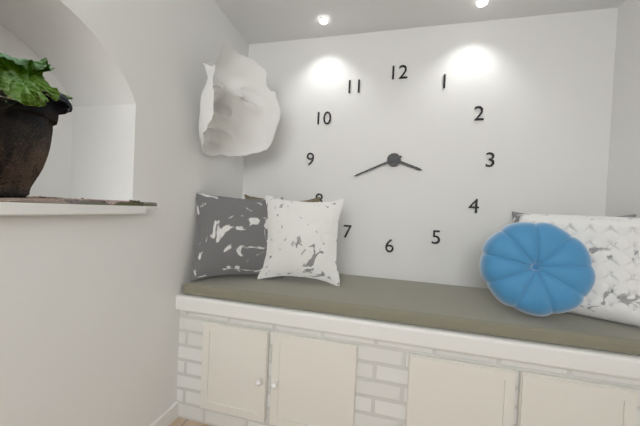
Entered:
3:41
